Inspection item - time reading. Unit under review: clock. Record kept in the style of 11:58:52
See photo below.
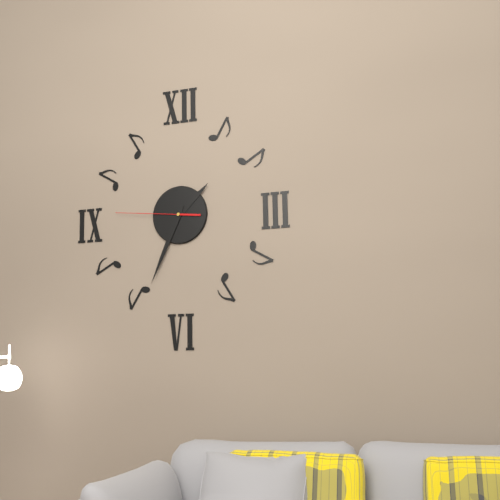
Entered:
1:34:46
